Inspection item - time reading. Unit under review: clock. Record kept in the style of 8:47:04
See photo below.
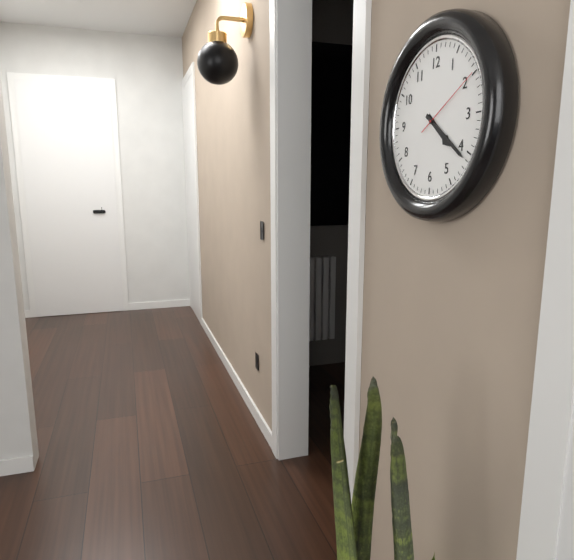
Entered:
4:21:10
